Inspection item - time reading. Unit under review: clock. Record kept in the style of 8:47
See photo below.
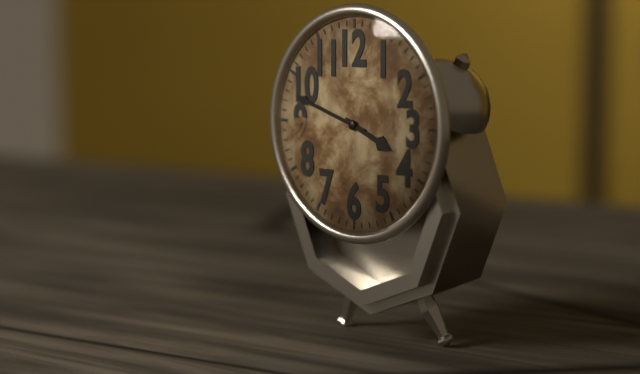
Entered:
3:48
